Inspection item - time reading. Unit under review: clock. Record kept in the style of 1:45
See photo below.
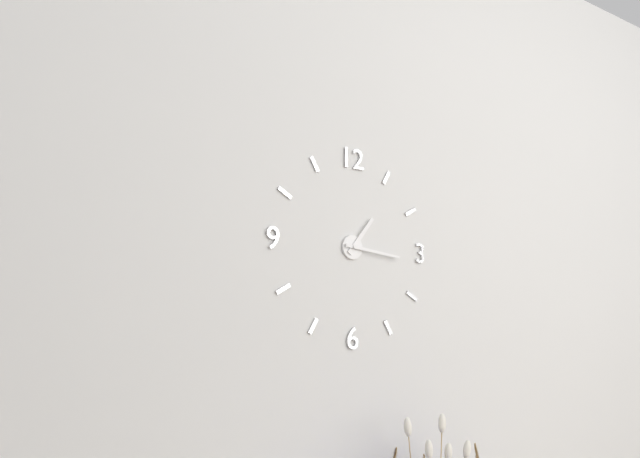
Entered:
1:16
